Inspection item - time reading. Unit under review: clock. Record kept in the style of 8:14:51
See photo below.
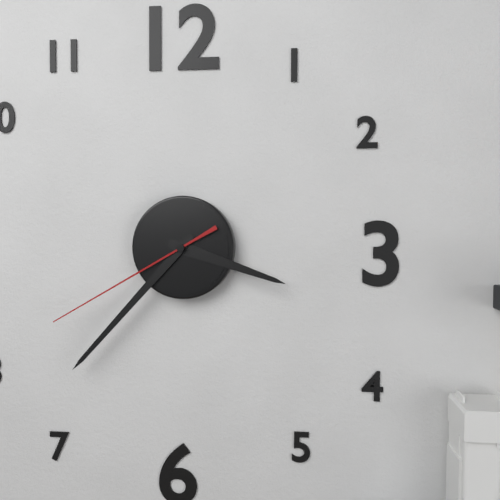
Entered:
3:37:40
